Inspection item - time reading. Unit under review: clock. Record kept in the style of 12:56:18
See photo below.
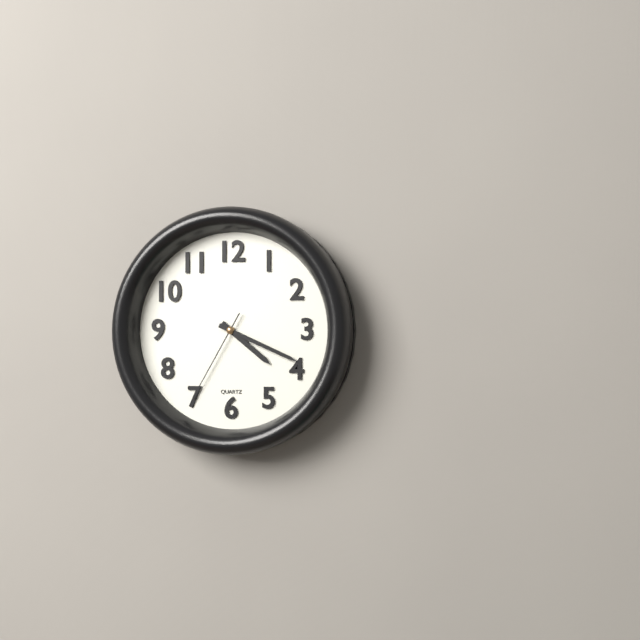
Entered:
4:19:35
